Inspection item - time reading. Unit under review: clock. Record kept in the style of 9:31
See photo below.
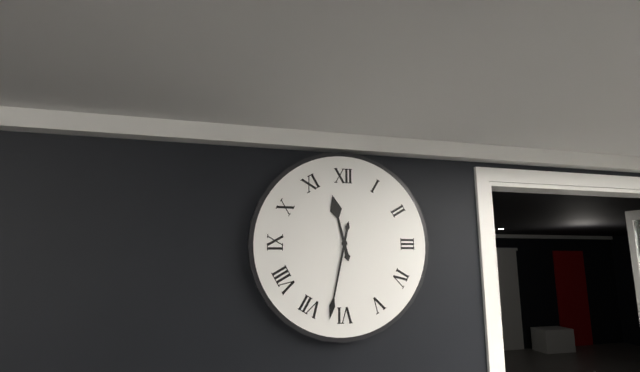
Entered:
11:32
